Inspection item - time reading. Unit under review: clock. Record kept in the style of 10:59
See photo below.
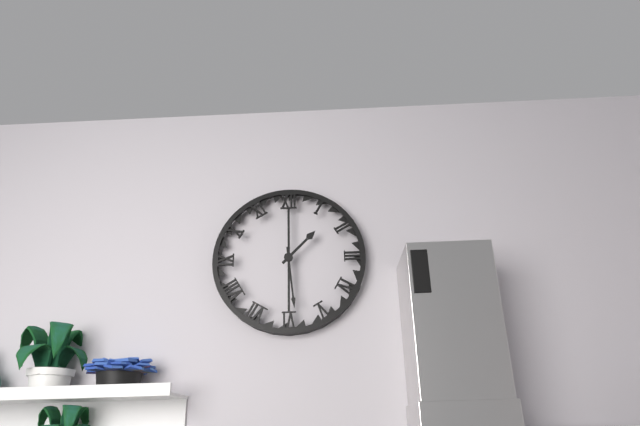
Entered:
1:29
